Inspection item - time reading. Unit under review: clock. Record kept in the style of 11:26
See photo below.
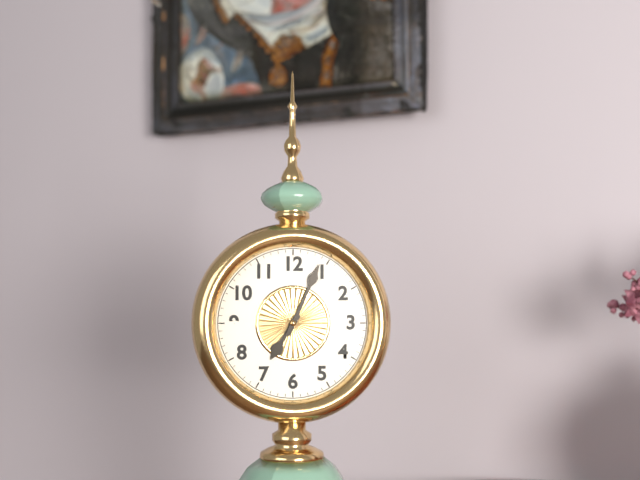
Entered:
7:04
